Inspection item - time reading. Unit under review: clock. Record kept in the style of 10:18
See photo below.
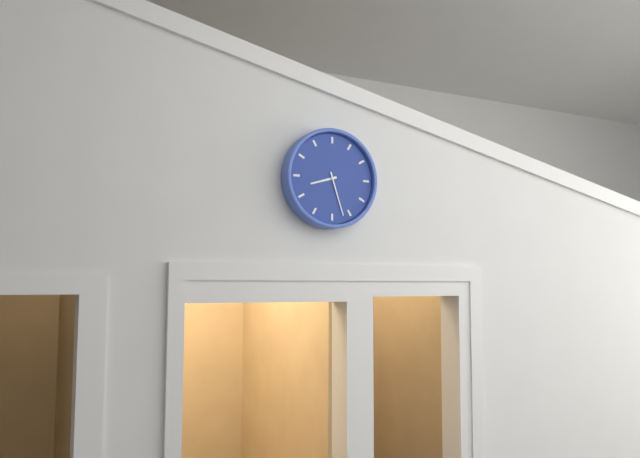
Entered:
8:27
